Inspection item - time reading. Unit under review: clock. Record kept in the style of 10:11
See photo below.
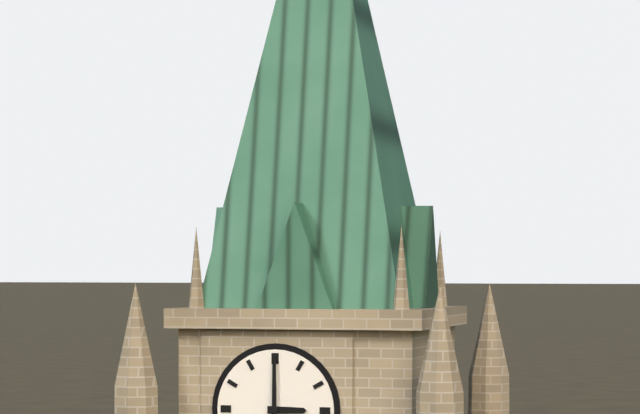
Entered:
3:00
